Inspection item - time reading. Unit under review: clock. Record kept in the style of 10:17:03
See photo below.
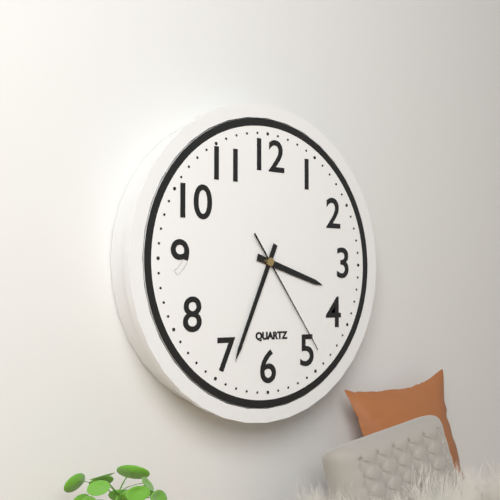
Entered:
3:34:24
